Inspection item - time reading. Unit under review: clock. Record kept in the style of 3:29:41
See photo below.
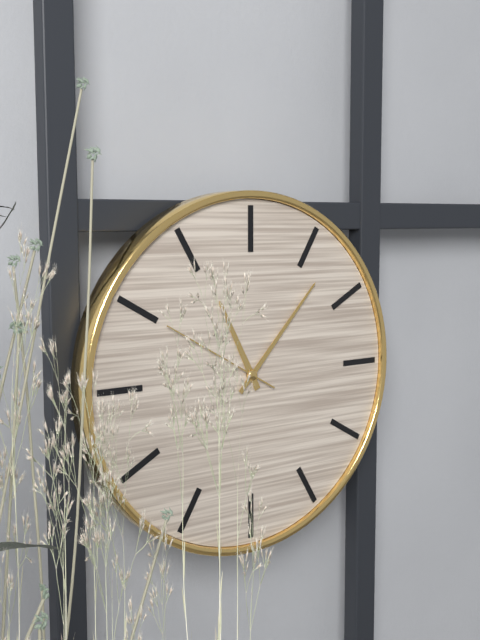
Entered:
11:07:50
